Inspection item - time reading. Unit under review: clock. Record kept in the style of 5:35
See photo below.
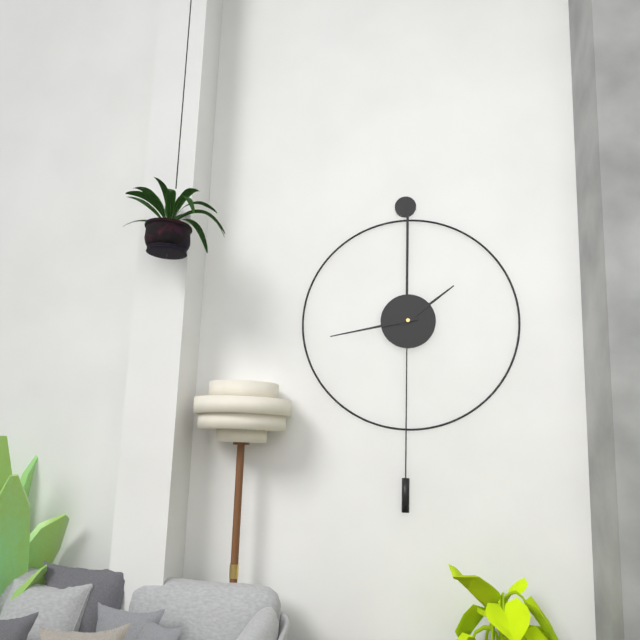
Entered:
1:43
